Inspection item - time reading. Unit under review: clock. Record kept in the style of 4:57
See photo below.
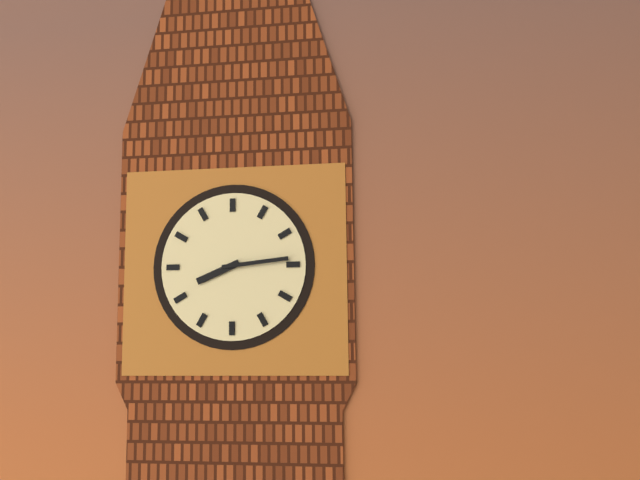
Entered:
8:14
